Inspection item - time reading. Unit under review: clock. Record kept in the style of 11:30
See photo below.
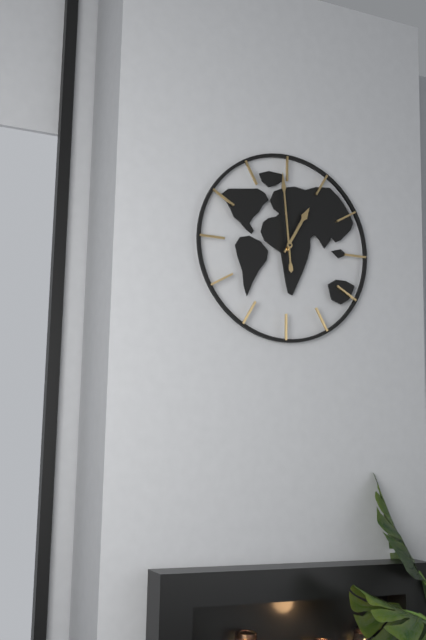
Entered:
12:59
